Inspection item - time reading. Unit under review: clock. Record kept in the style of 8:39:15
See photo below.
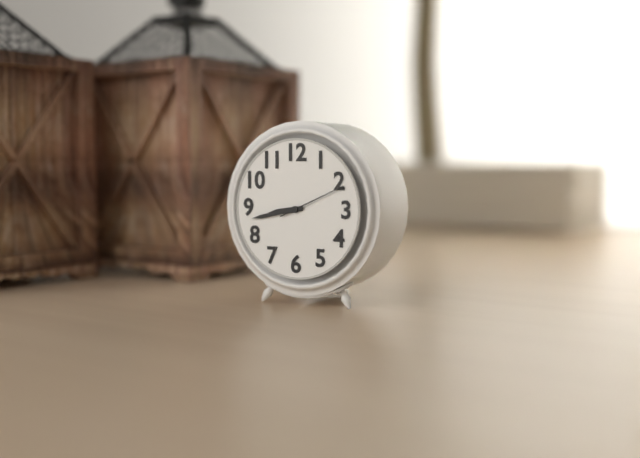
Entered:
8:43:11
